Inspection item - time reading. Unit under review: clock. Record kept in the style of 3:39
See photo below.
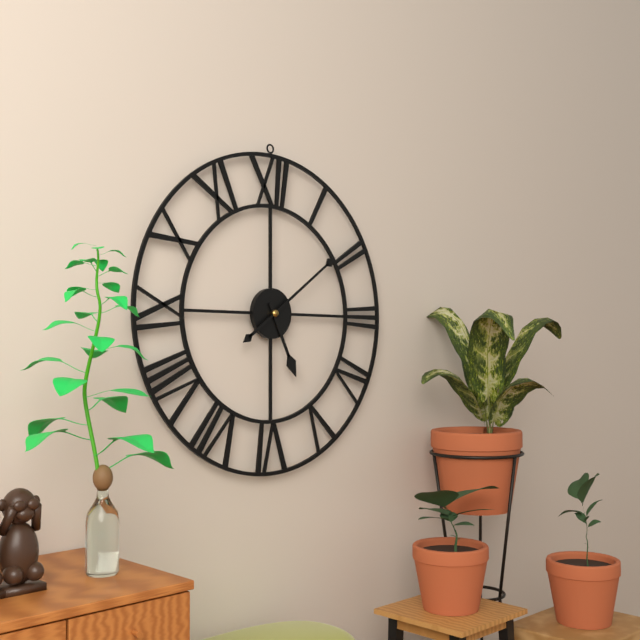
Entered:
5:09
